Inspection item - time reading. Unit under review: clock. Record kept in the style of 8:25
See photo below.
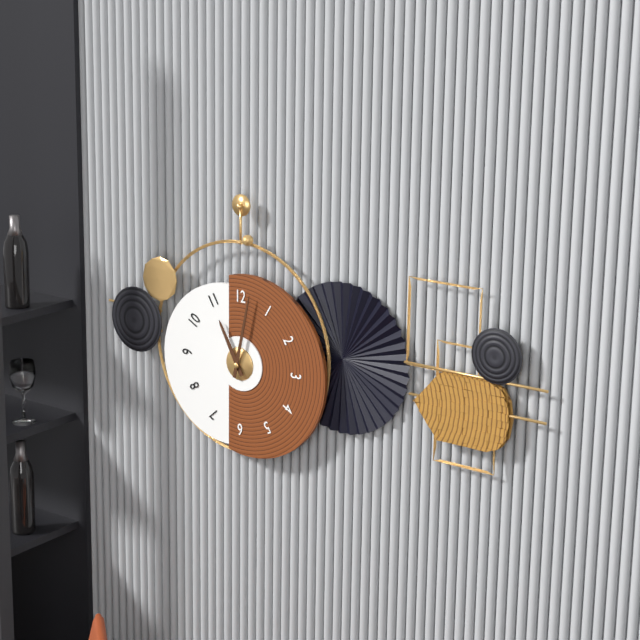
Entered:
11:02
